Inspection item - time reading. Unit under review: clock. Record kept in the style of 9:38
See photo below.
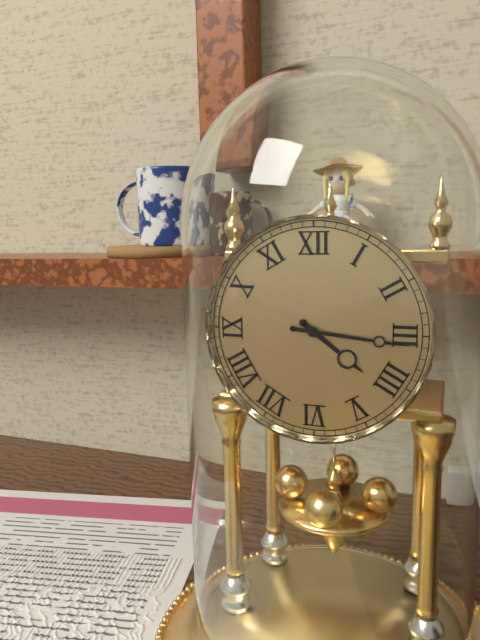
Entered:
4:16
